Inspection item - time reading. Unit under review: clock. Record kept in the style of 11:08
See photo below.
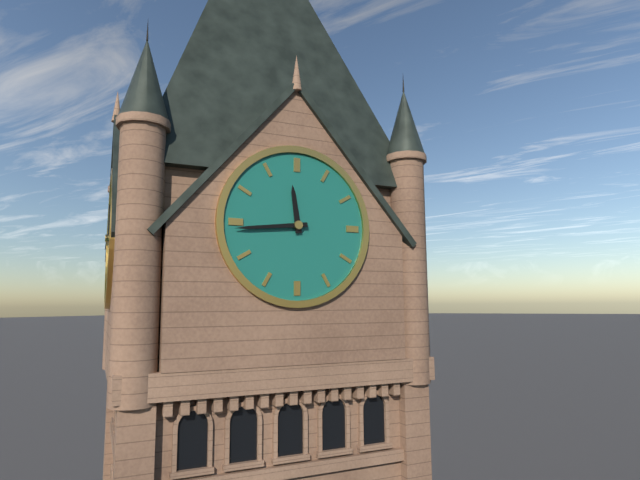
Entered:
11:44
